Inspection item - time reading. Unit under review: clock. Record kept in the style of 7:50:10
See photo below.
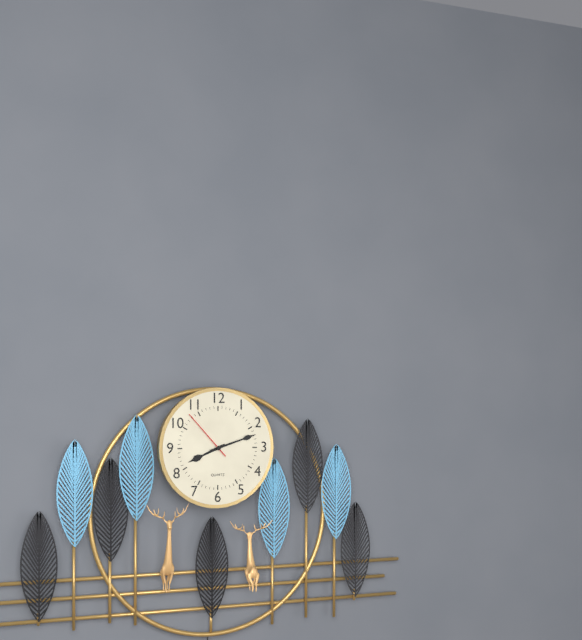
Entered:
8:12:53
